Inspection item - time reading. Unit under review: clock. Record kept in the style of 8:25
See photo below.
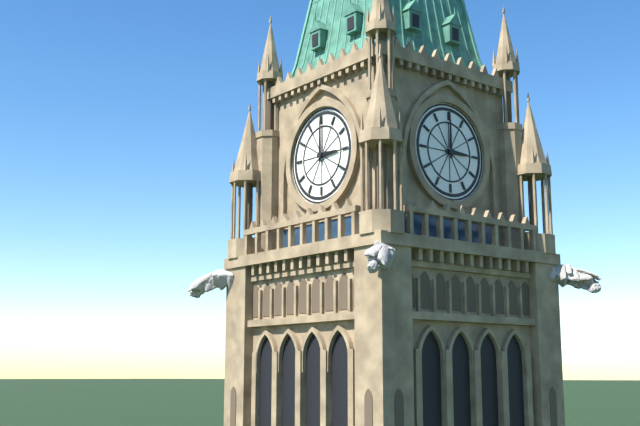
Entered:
3:00
